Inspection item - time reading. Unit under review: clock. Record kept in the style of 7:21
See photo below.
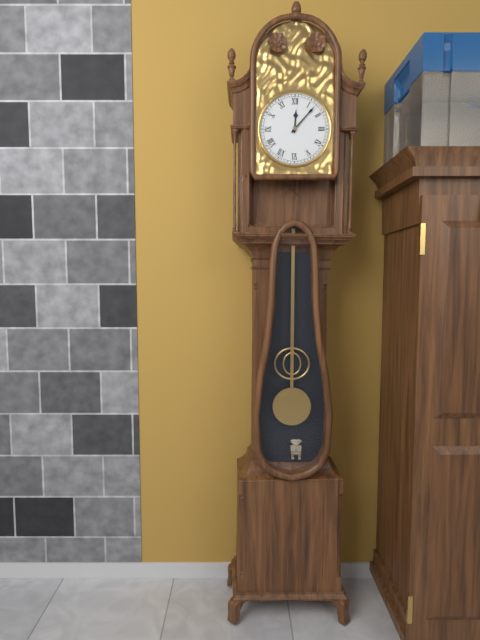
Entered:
12:07
